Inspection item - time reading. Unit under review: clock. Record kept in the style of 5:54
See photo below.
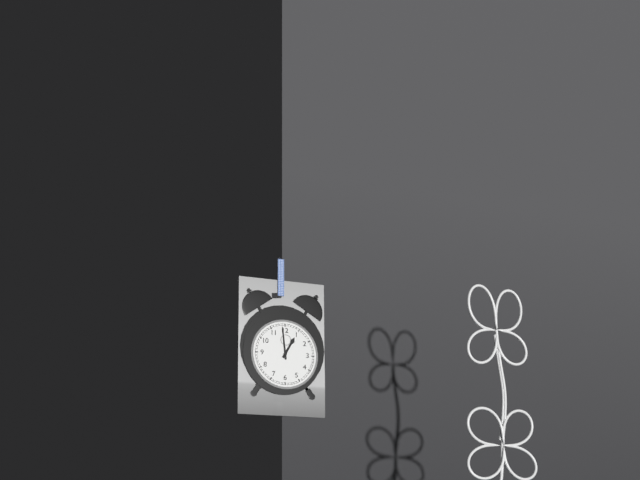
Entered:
12:59
